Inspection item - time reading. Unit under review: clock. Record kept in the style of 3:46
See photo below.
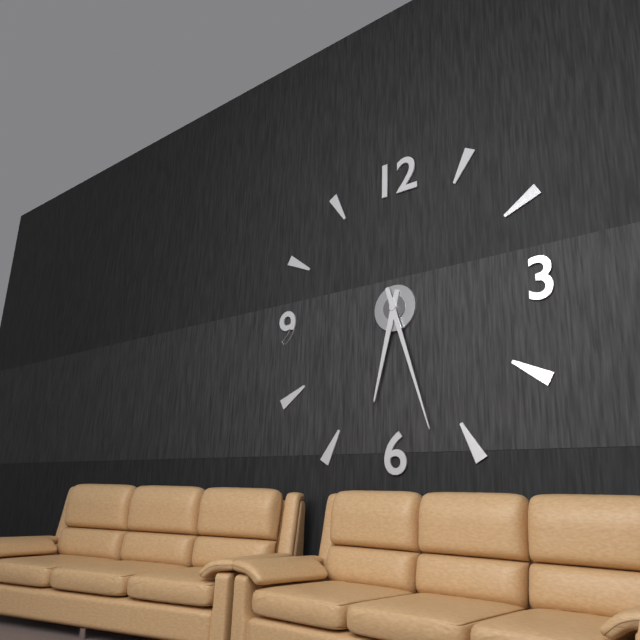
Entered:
6:27
